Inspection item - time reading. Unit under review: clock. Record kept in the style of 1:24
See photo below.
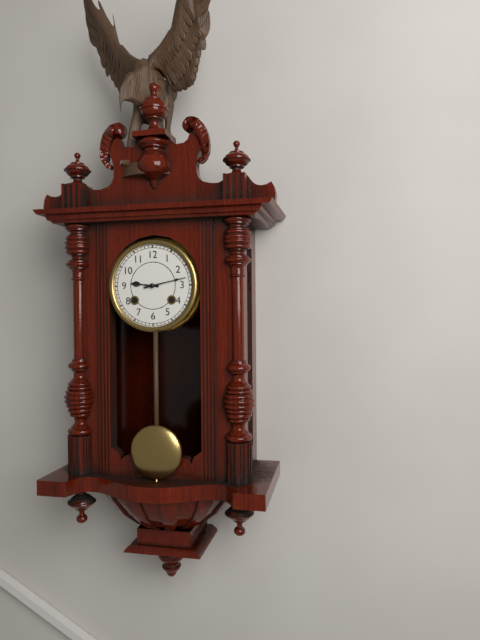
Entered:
9:13
